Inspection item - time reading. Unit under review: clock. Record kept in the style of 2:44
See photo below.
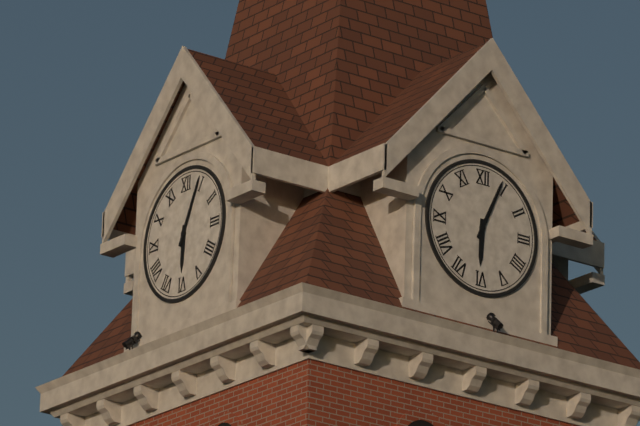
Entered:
6:04
